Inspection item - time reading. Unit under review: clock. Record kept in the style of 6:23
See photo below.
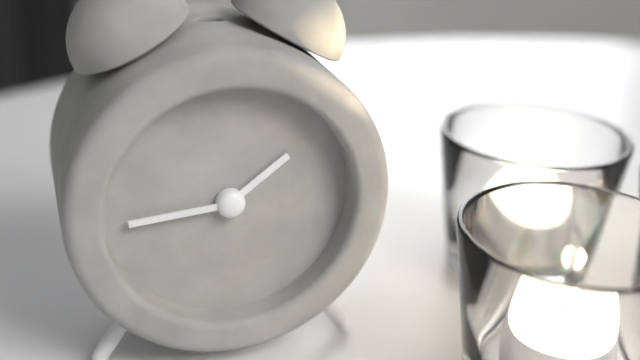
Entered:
1:44
